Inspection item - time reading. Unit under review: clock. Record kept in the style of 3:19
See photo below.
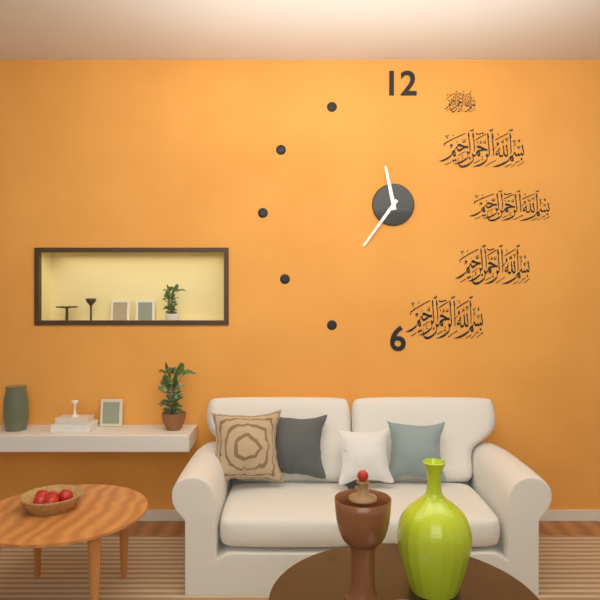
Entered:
11:36
